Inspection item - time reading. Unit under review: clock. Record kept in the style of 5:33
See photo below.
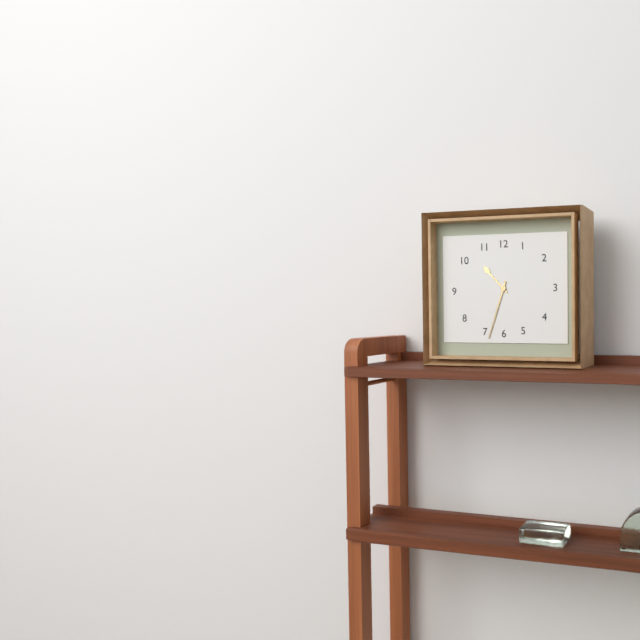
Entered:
10:33
